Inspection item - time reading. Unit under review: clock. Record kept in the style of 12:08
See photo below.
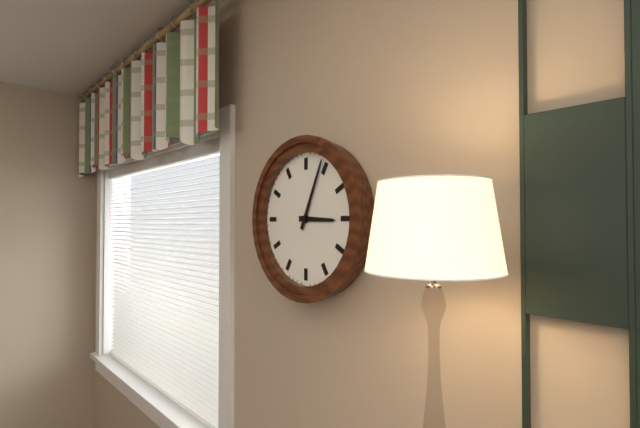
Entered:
3:04
